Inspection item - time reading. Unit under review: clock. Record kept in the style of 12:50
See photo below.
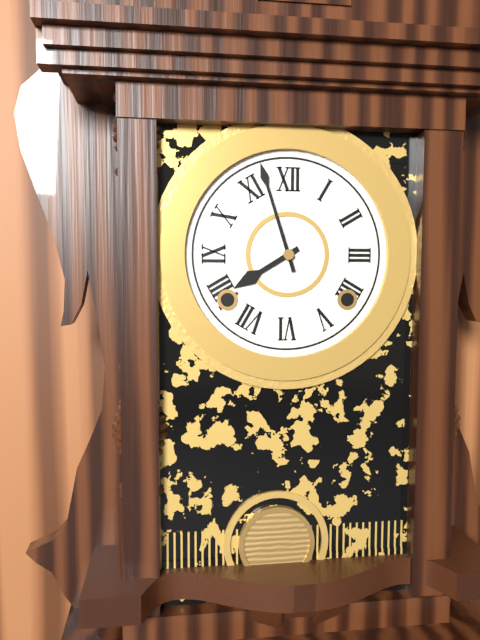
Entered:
7:57
